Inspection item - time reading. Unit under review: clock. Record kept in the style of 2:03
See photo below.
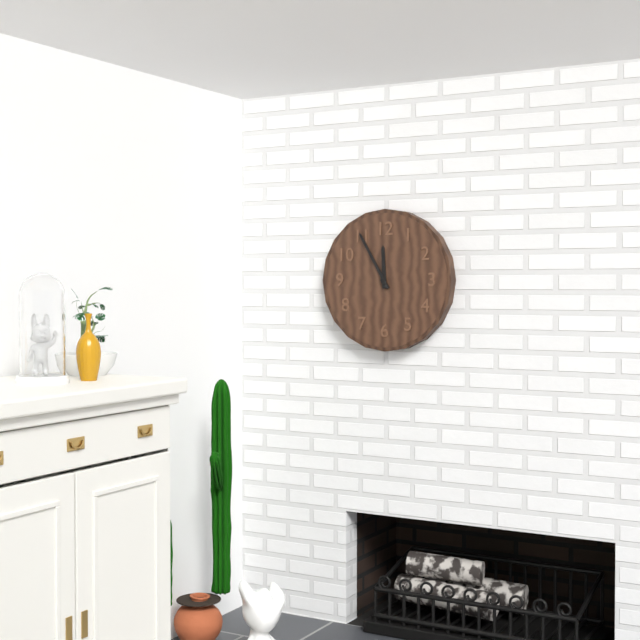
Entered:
11:55
